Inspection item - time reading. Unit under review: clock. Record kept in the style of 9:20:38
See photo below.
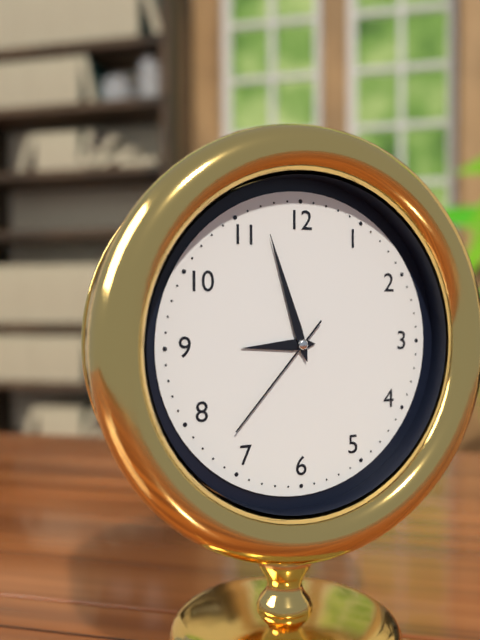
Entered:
8:57:37
